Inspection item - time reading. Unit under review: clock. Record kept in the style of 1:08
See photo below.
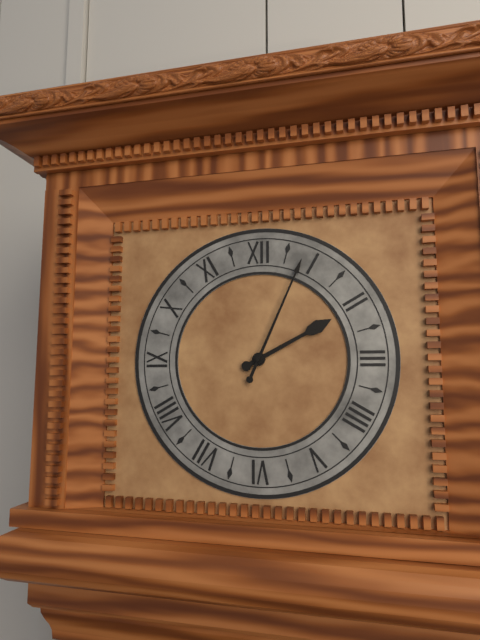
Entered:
2:04
